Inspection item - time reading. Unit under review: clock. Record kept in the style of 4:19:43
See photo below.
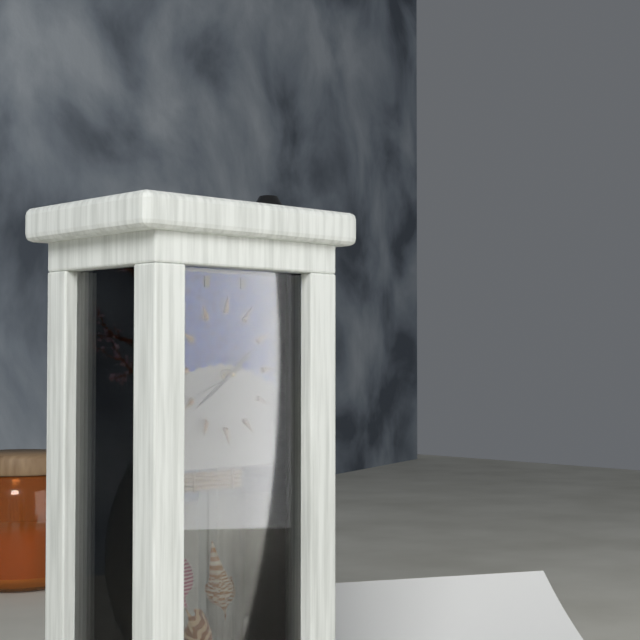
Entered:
1:39:41
